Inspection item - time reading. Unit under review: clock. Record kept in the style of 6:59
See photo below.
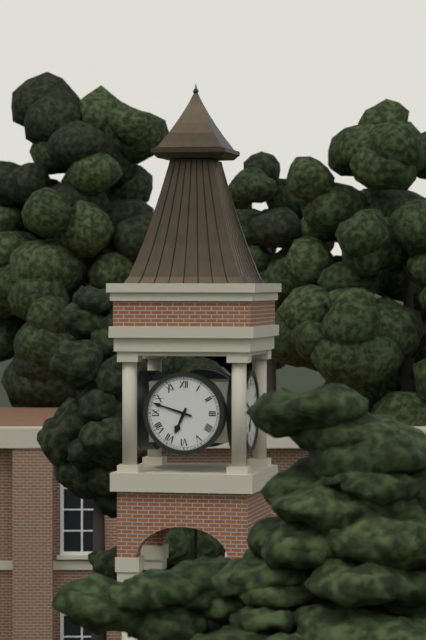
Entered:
6:48
